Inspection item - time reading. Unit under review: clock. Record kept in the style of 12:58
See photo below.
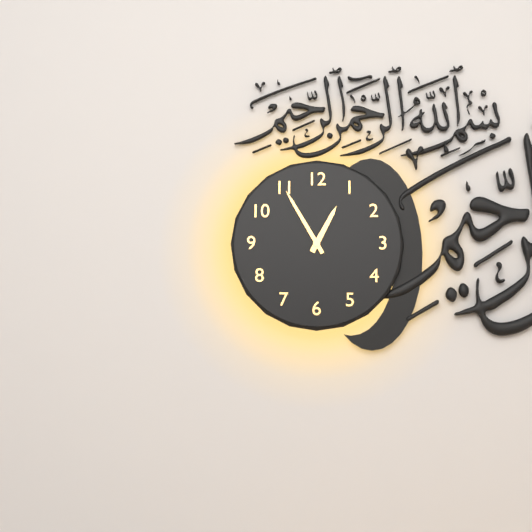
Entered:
12:55
